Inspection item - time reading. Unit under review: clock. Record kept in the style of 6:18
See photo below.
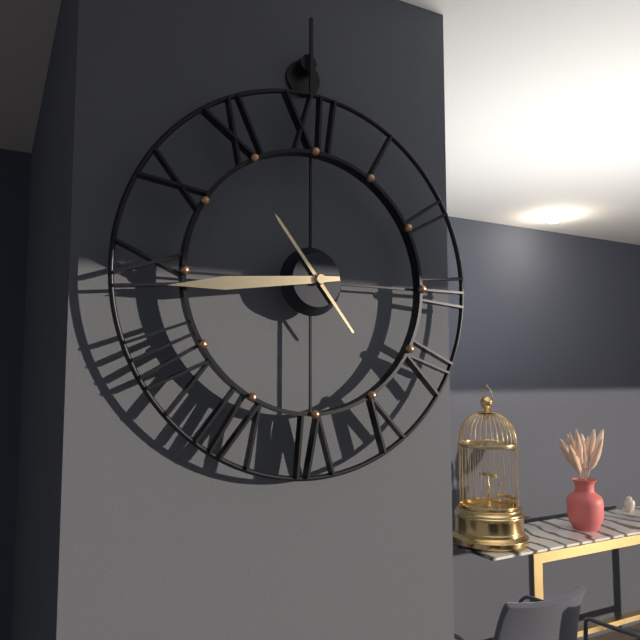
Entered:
10:44
